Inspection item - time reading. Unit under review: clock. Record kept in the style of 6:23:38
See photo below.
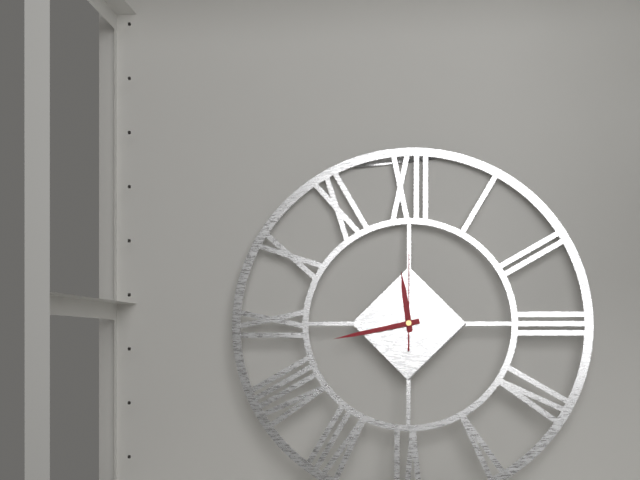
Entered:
11:43:00
